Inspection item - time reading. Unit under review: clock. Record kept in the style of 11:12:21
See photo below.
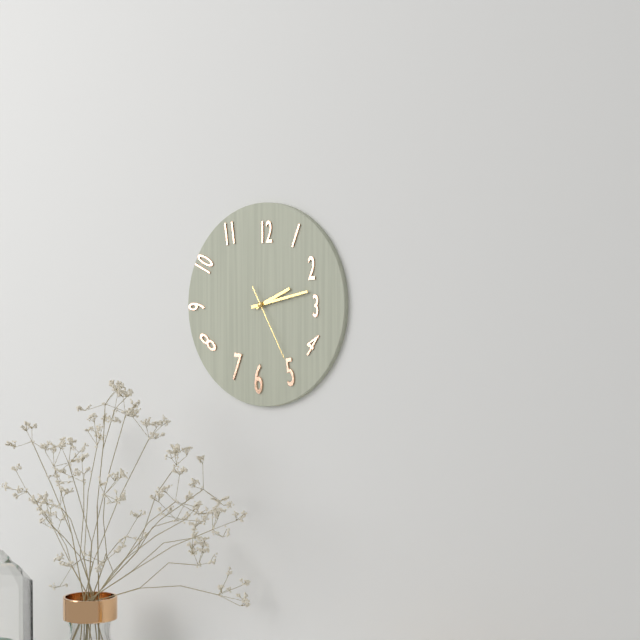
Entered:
2:13:25
